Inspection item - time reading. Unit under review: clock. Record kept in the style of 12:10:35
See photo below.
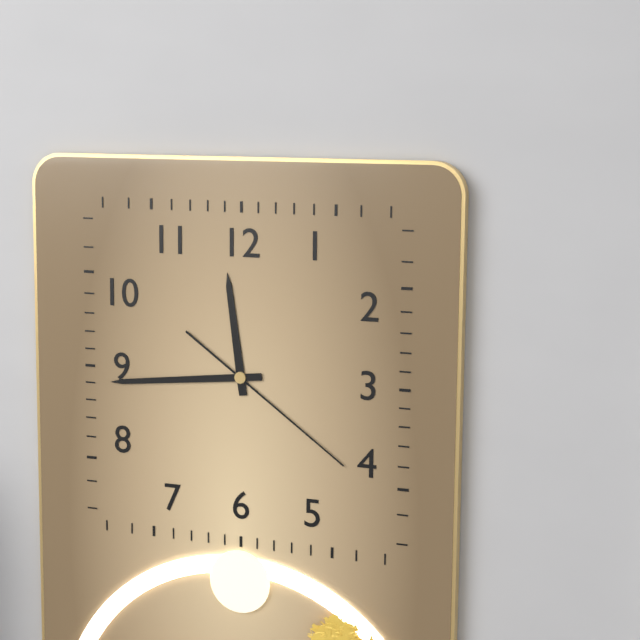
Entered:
11:44:21
